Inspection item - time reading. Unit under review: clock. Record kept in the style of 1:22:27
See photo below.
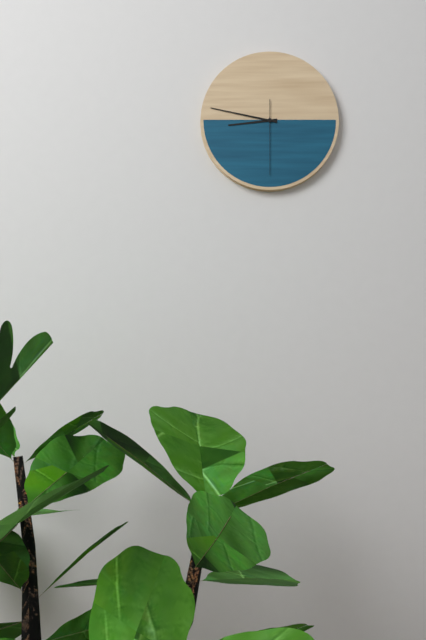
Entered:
8:47:30
